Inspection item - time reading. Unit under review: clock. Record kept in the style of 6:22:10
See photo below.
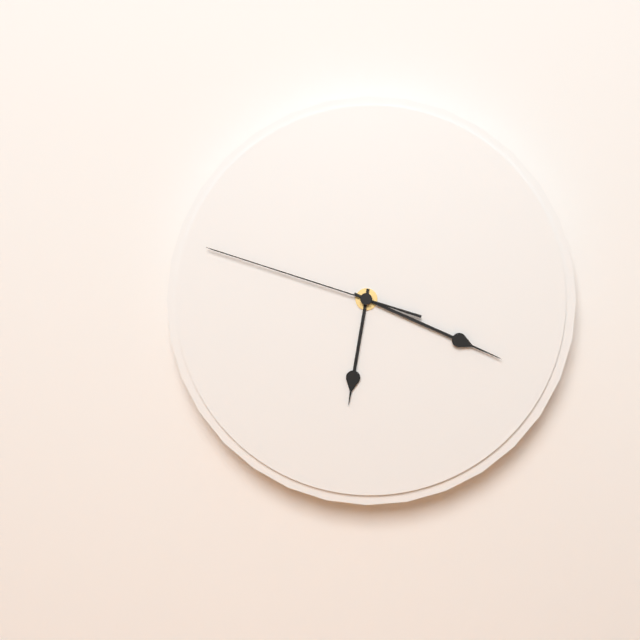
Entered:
6:19:48
